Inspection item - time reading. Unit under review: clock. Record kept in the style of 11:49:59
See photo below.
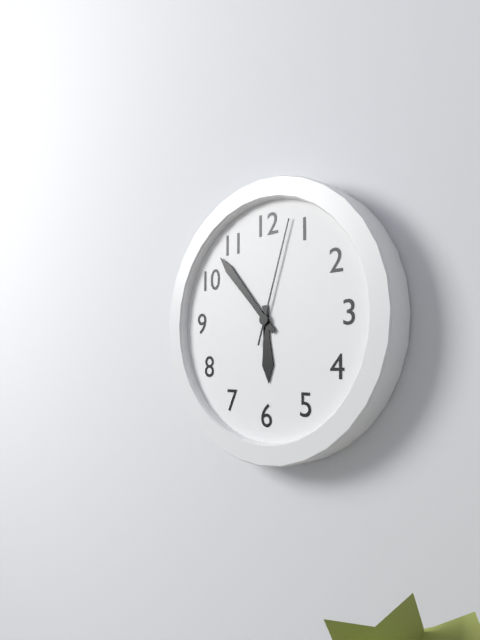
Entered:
5:53:03
